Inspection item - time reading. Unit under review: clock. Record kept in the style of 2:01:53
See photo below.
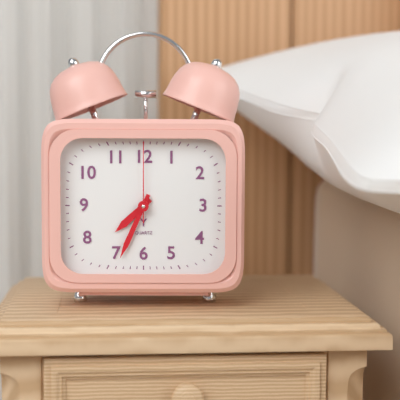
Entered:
7:34:00
